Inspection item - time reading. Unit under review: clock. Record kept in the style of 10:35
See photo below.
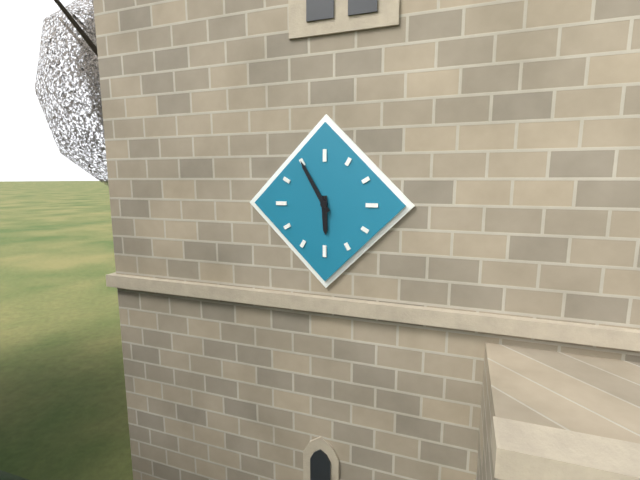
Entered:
5:55
